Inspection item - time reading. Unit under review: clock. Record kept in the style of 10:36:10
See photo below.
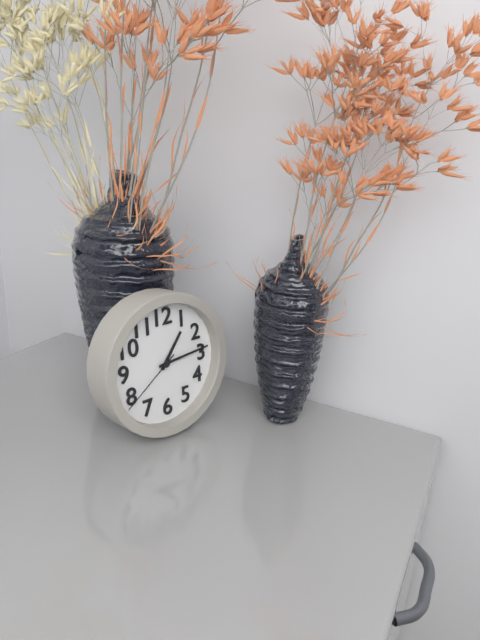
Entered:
1:14:39
